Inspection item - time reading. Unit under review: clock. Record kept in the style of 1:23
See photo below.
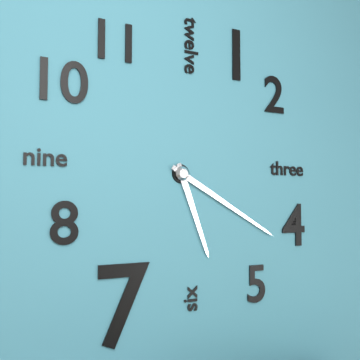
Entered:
5:20
